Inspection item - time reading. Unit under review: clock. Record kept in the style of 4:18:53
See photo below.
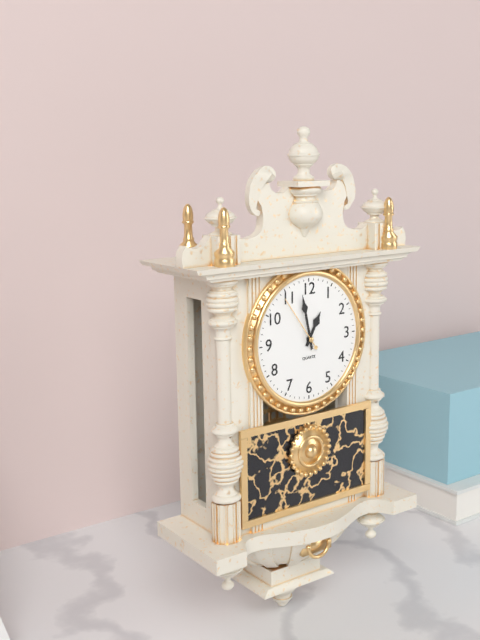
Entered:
12:58:54
